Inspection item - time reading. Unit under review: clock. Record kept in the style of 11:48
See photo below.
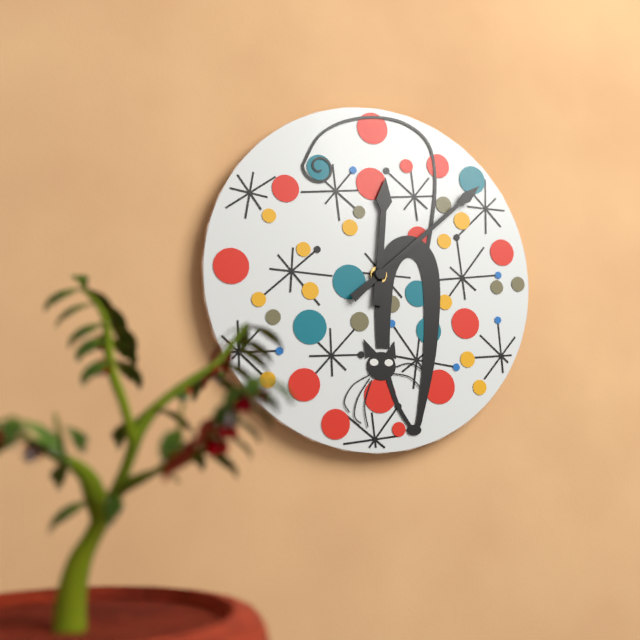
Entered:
12:08
